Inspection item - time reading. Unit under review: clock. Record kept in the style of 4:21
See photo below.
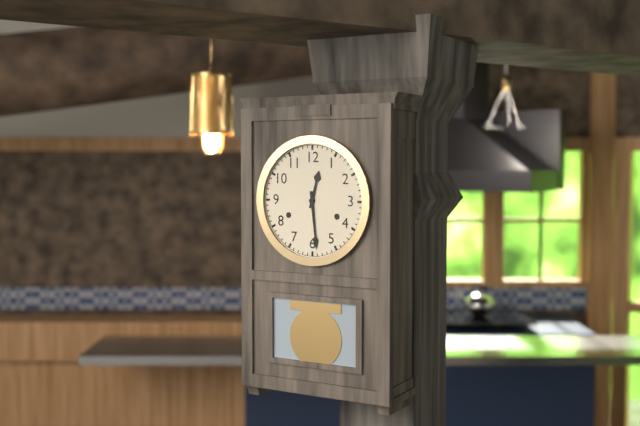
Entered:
12:29
